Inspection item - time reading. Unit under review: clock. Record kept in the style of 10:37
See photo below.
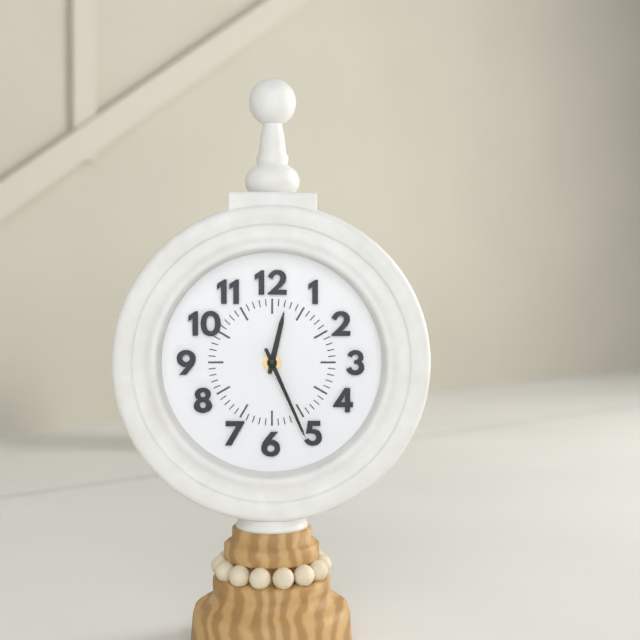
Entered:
12:26
